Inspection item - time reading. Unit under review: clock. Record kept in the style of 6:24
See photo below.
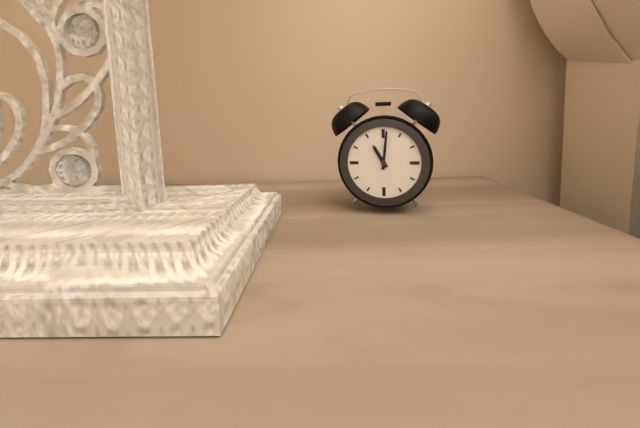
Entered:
11:01
